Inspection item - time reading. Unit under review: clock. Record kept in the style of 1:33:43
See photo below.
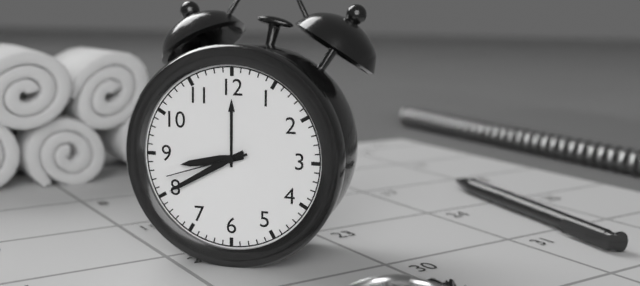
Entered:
8:40:42
